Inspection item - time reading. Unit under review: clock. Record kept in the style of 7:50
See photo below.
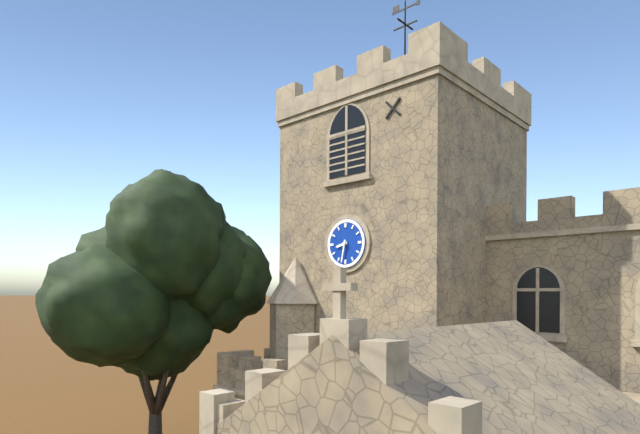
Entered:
8:32
